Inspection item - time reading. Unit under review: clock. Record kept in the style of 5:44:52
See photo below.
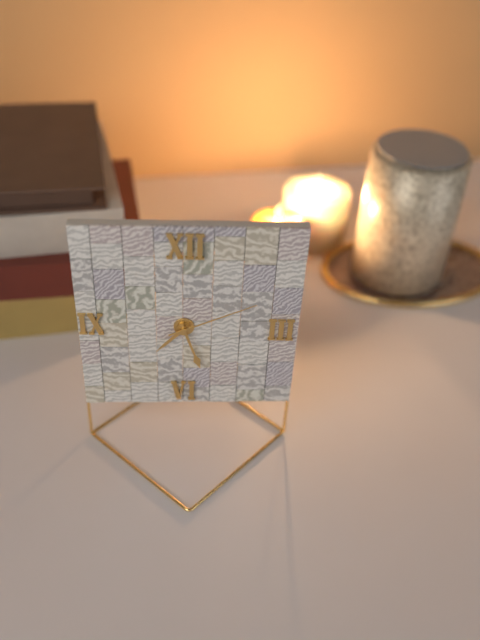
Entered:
7:27:11
